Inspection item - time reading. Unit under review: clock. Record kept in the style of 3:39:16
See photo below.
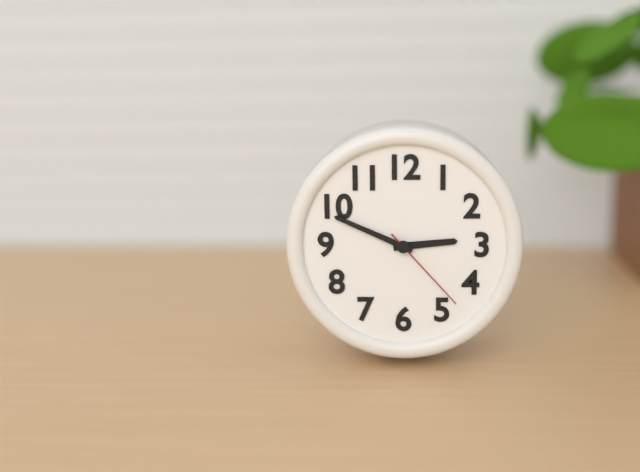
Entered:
2:49:23
